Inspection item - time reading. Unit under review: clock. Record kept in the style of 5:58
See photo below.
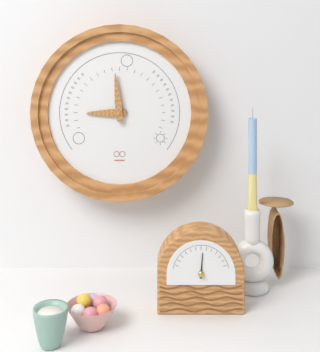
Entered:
8:59
